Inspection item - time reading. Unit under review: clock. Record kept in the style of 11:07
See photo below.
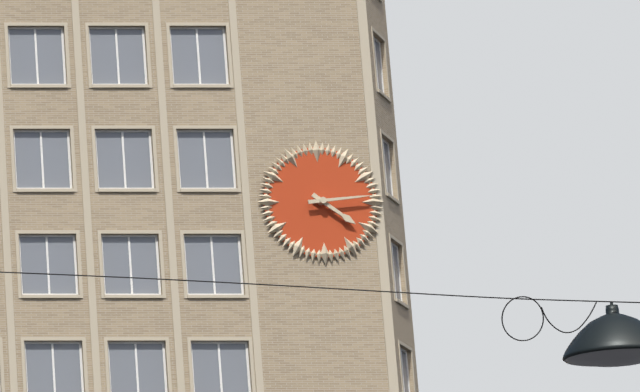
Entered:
4:14
